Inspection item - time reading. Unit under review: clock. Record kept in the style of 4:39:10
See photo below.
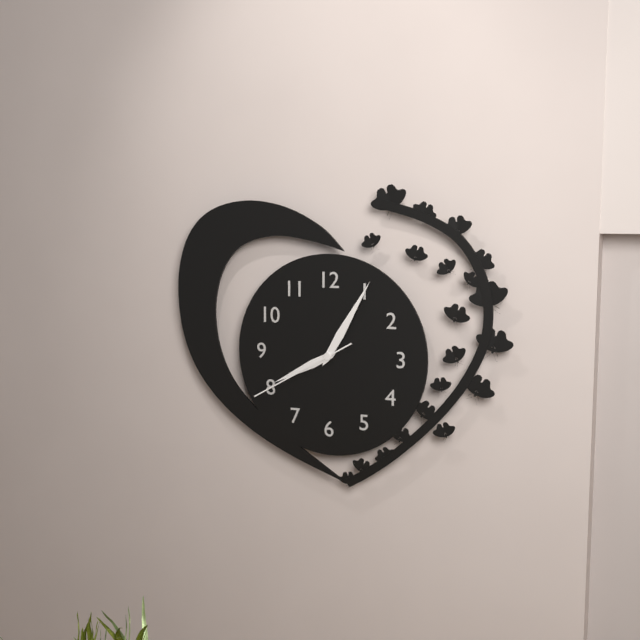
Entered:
8:05:40
